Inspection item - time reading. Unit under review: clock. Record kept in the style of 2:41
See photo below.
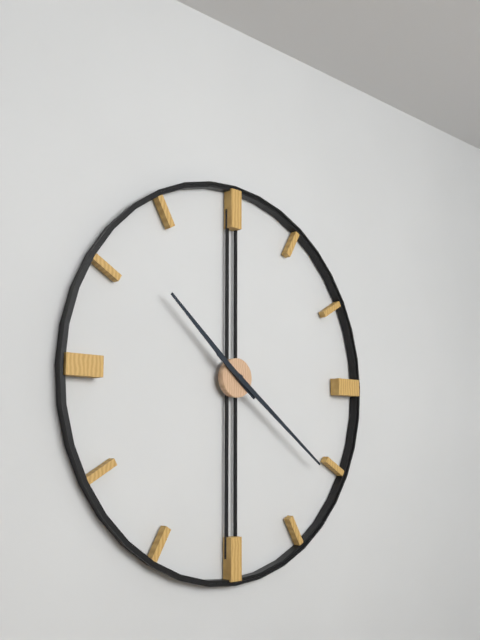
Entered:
10:21
